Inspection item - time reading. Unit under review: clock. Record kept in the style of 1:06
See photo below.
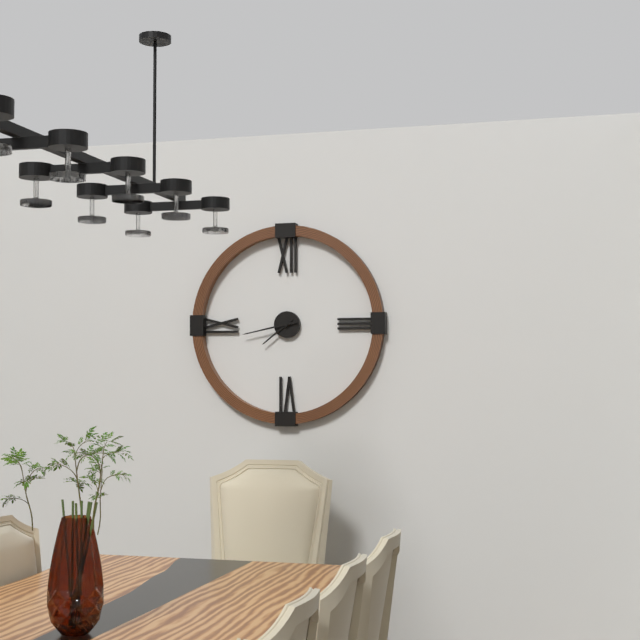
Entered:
7:43
